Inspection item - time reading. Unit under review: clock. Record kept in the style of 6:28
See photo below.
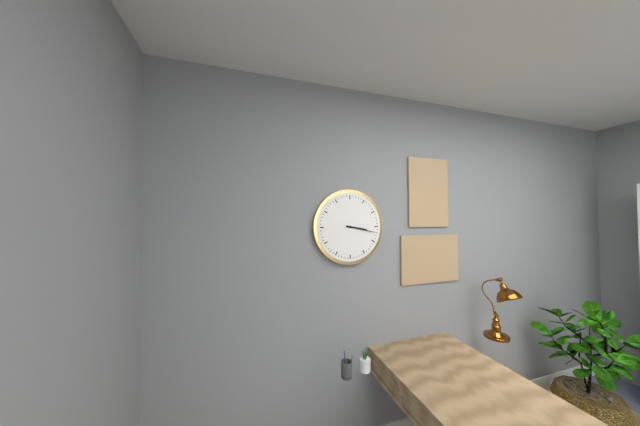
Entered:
3:17
